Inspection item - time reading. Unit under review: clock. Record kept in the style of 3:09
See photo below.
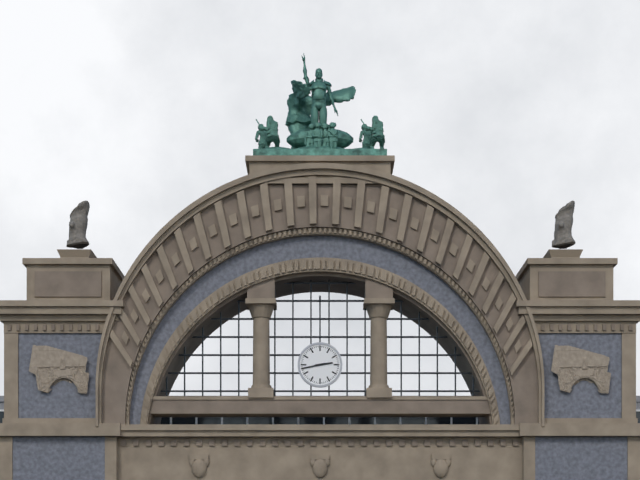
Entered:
2:43
